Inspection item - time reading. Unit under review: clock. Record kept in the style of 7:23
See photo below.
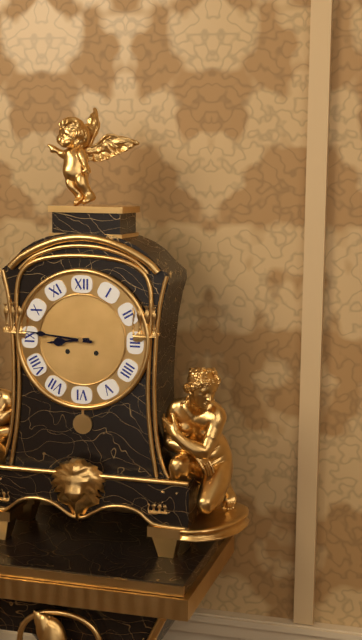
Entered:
8:46
